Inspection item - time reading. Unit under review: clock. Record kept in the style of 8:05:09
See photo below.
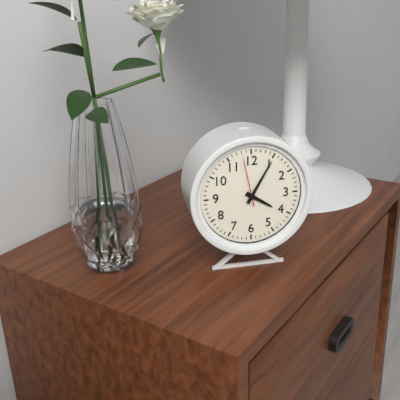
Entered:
4:05:58
